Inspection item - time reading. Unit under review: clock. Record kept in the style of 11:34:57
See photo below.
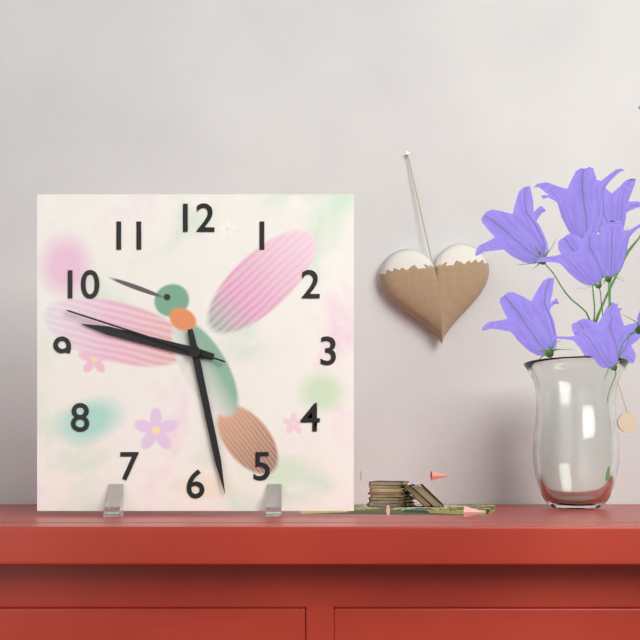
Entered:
9:28:48
